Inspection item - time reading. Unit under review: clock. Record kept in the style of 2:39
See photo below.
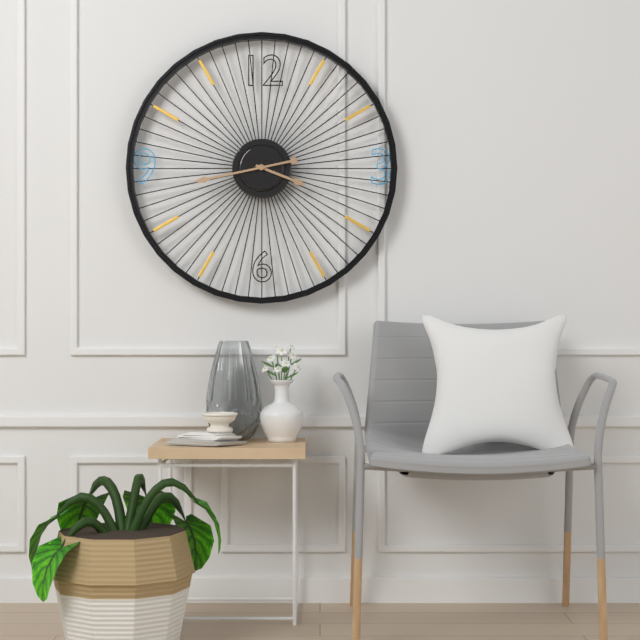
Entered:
3:43
